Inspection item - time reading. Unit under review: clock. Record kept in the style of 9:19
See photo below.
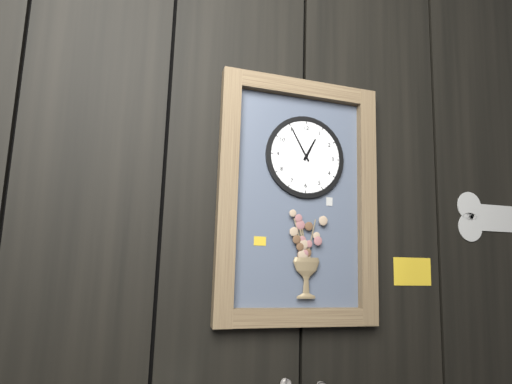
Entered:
12:55
